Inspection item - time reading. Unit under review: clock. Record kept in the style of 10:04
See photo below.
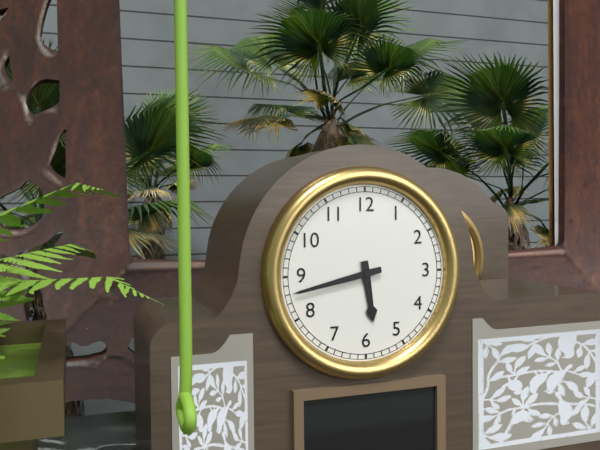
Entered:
5:43
